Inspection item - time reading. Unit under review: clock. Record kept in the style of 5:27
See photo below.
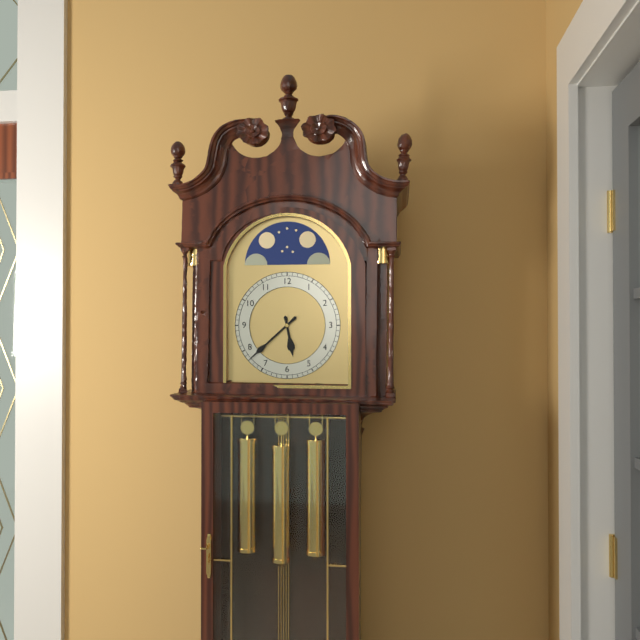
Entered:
5:38
